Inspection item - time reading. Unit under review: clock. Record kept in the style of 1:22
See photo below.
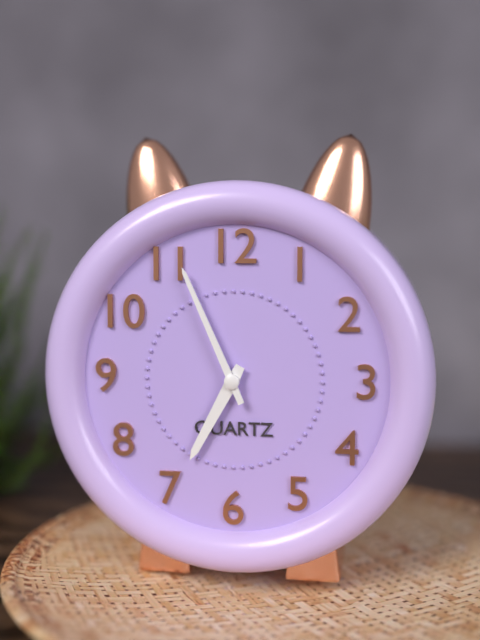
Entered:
6:56
